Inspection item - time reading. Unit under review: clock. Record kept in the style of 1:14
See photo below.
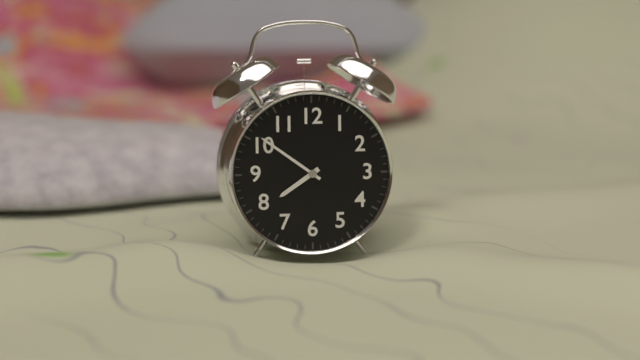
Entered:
7:51
